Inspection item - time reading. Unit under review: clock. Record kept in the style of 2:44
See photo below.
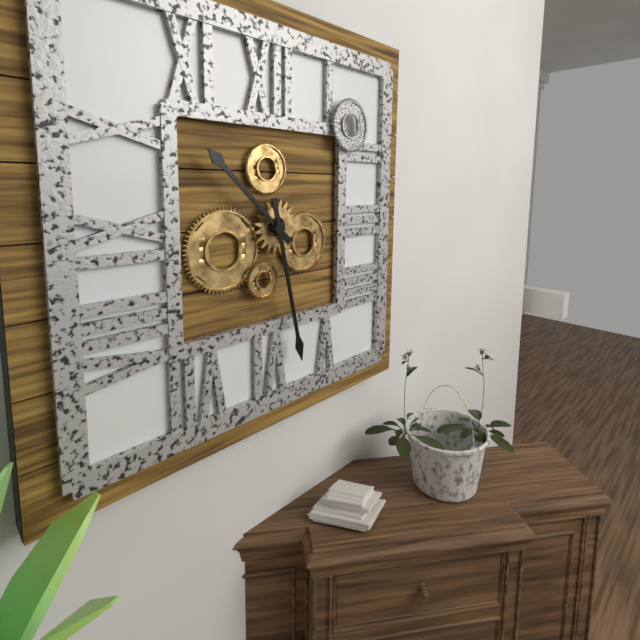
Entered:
10:28
